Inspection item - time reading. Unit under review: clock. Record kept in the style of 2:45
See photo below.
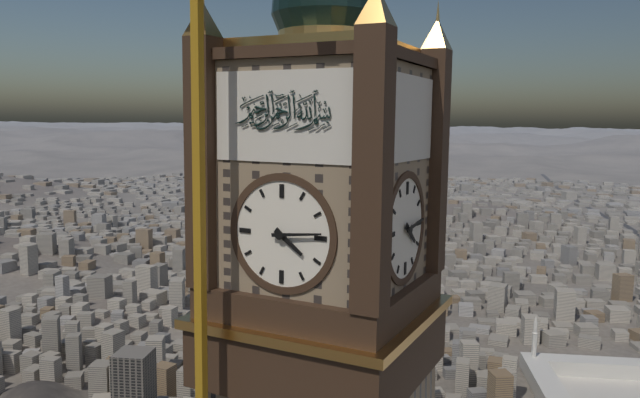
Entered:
4:14
